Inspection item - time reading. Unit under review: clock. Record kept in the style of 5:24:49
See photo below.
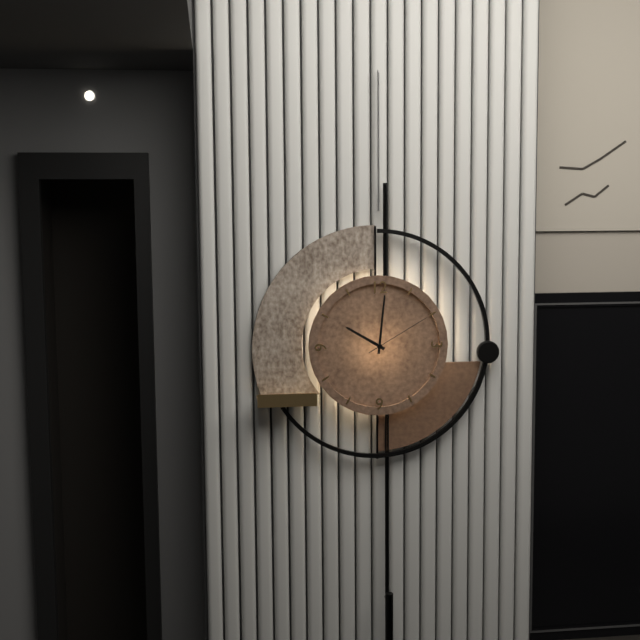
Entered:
10:01:10
